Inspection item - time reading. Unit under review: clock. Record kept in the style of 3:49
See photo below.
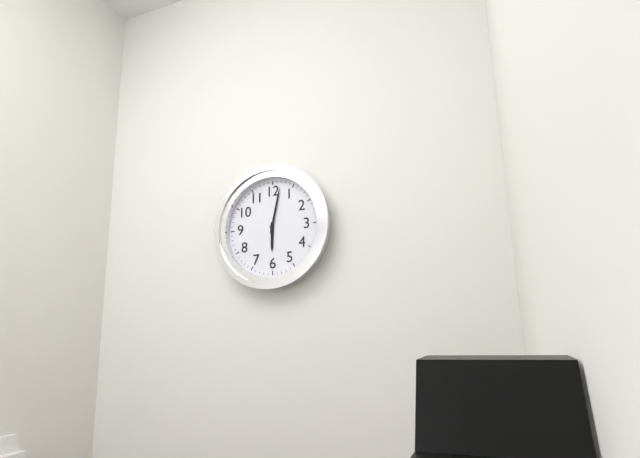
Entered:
6:02
